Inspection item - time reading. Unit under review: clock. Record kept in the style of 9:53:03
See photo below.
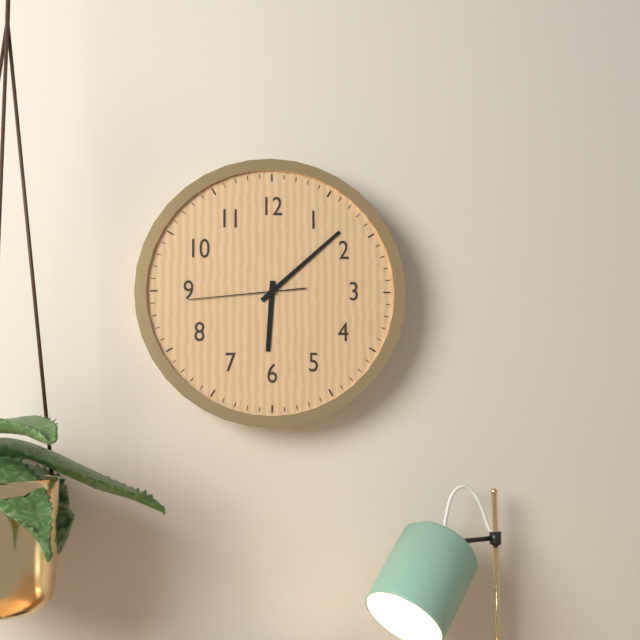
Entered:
6:08:44
